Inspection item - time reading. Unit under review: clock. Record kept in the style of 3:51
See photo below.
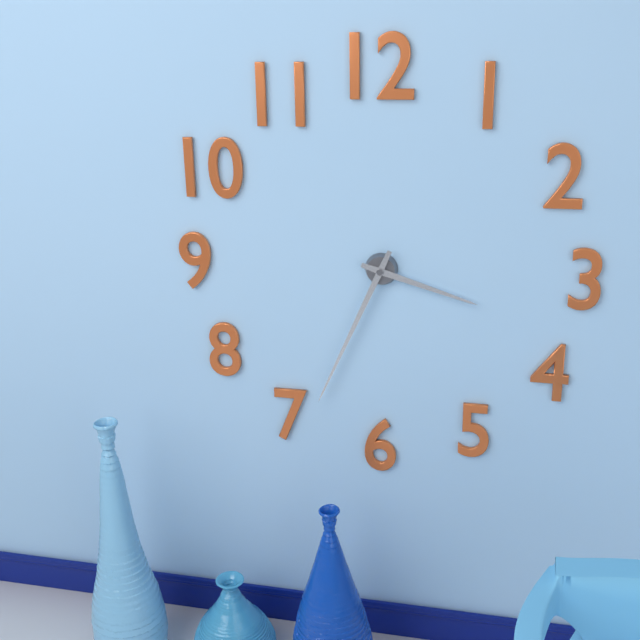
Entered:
3:34
